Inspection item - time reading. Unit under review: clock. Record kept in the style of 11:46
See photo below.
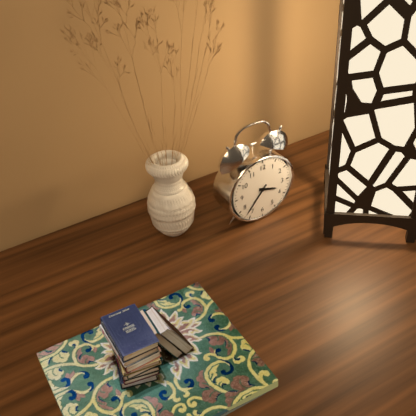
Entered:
3:37
